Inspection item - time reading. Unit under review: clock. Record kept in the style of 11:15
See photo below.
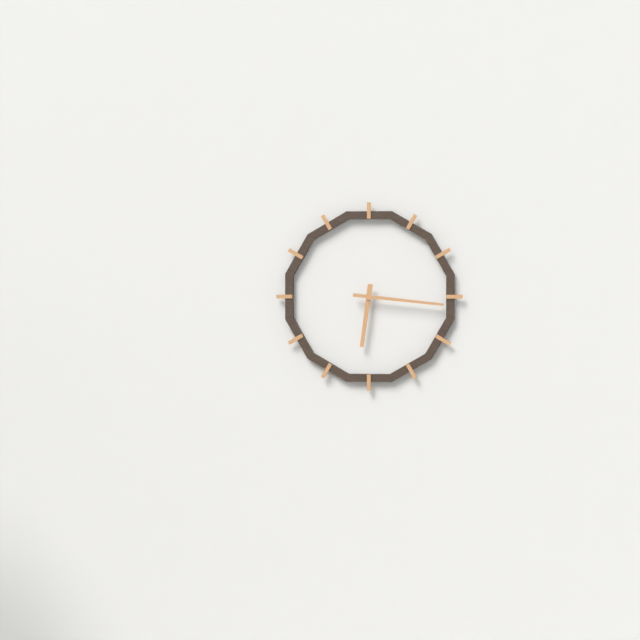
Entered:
6:16
